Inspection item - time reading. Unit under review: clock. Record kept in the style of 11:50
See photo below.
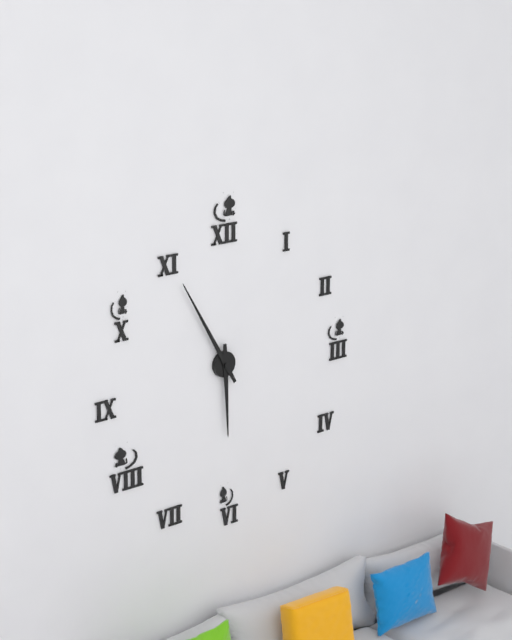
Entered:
5:55
